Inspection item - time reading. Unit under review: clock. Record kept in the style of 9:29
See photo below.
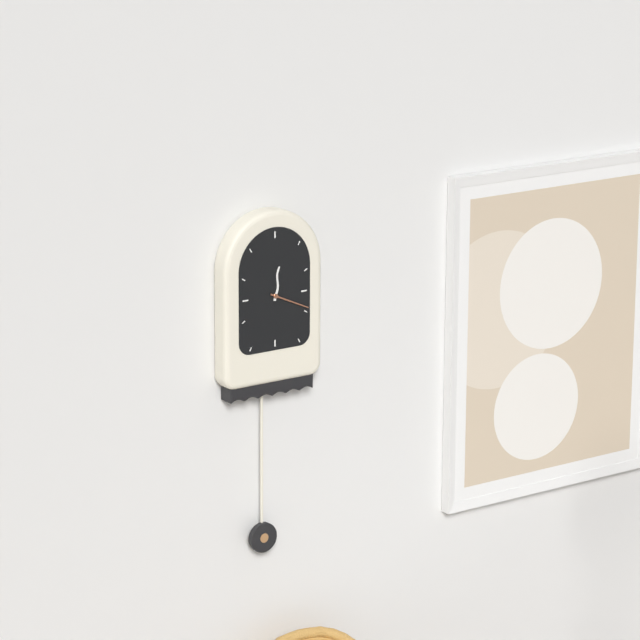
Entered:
12:19
